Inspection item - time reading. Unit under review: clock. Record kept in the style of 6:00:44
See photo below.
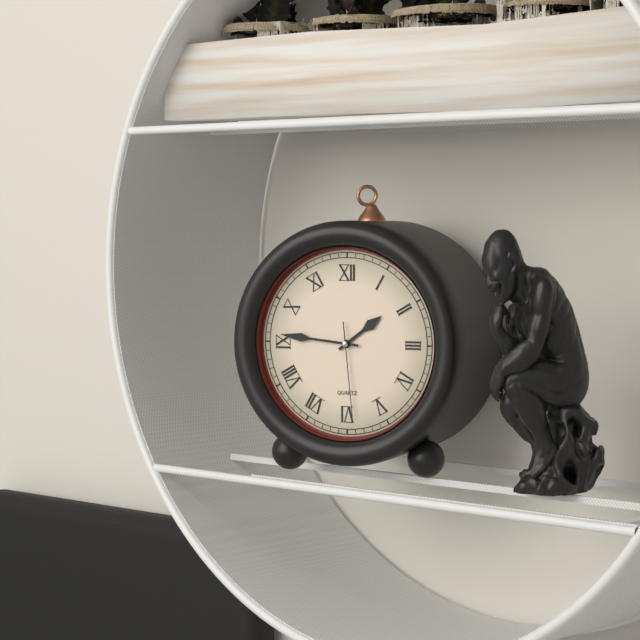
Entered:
1:46:29
